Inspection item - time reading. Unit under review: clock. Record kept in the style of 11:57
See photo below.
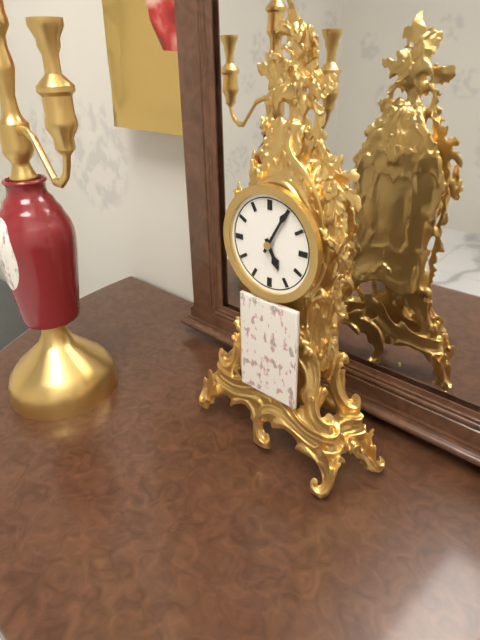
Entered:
5:05
